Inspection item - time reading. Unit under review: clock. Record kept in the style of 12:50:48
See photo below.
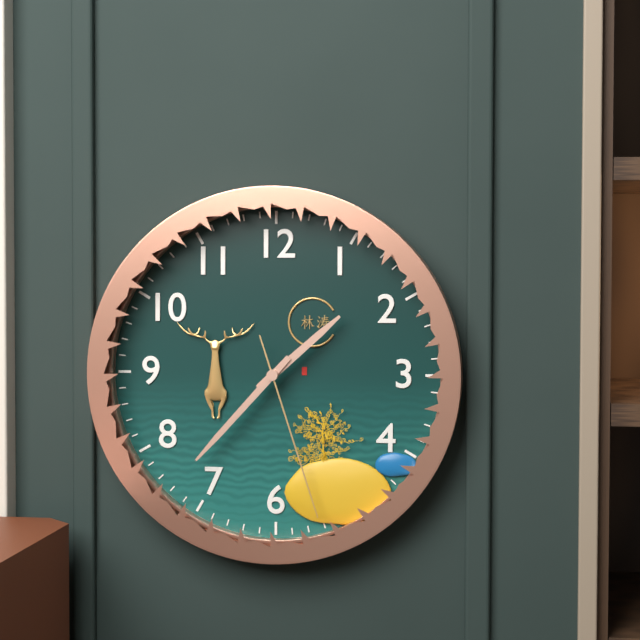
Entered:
1:37:27
